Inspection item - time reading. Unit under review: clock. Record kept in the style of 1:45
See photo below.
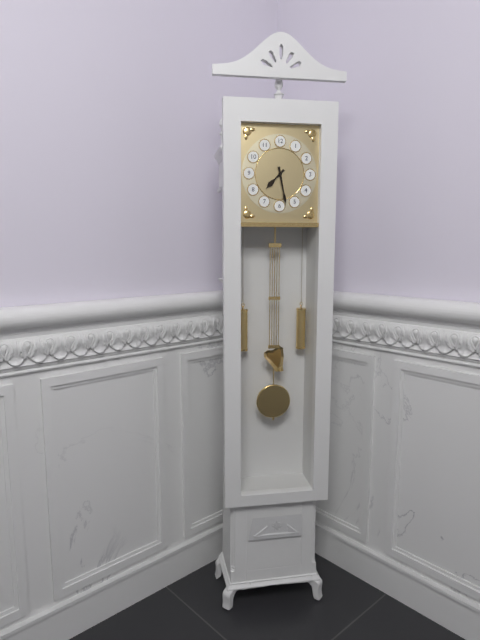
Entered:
7:28
